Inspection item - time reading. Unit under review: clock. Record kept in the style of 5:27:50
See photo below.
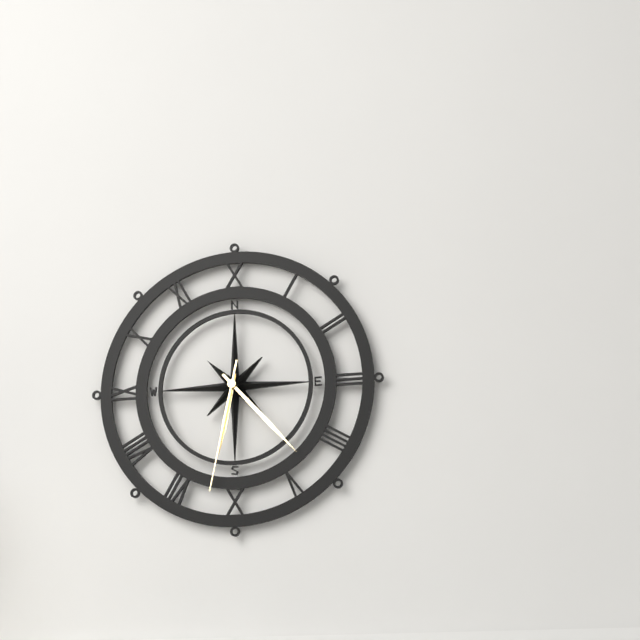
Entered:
6:23:32
